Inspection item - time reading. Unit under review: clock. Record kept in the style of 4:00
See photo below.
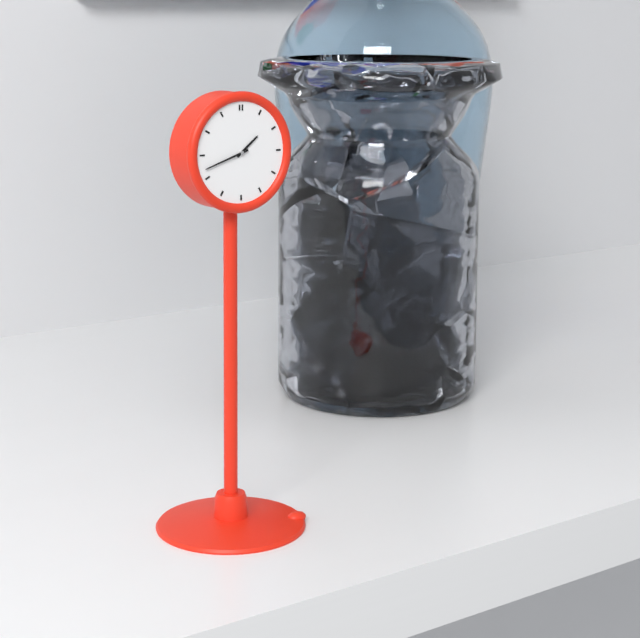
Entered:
1:42
